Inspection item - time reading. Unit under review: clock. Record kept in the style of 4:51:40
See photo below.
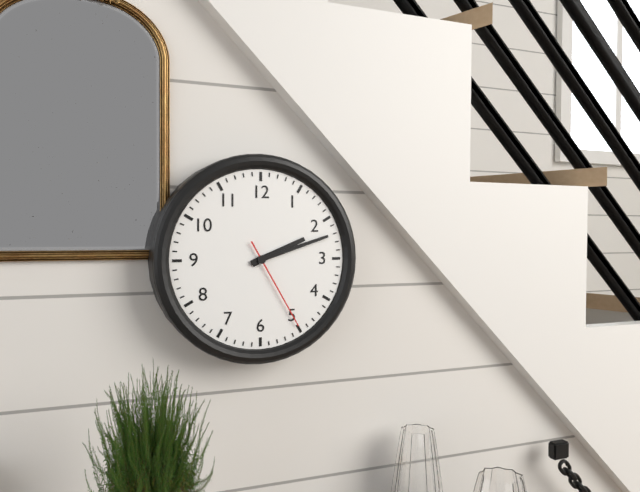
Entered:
2:12:25
